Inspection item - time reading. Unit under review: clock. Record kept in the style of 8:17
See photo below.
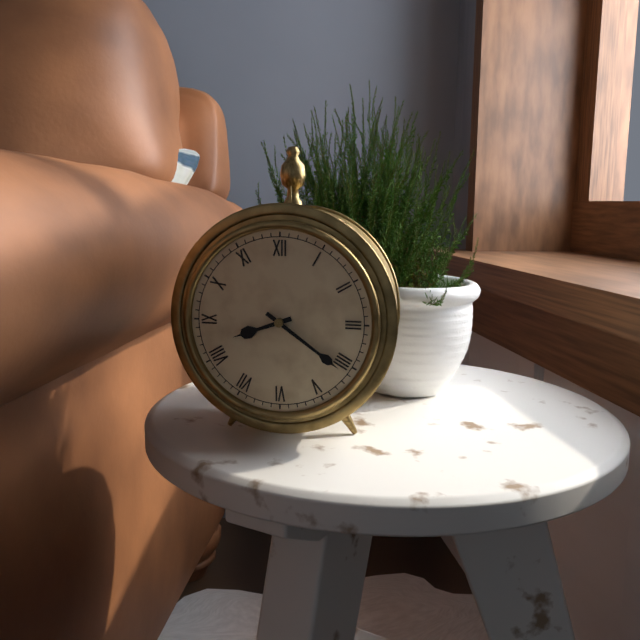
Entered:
8:21
